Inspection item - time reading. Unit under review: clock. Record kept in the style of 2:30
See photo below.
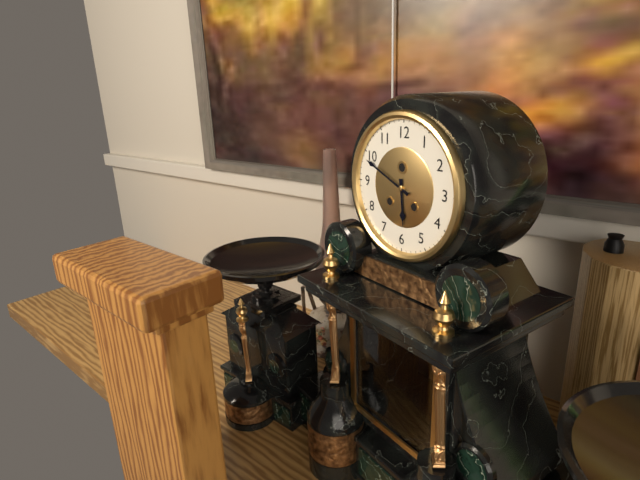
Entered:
5:49
